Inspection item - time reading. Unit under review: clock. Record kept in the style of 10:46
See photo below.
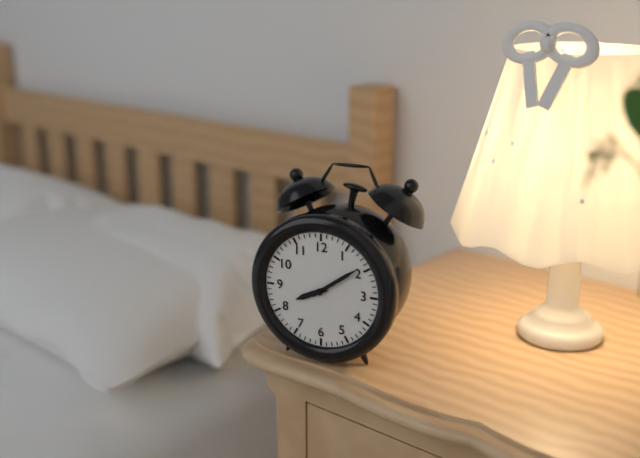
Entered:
8:09
